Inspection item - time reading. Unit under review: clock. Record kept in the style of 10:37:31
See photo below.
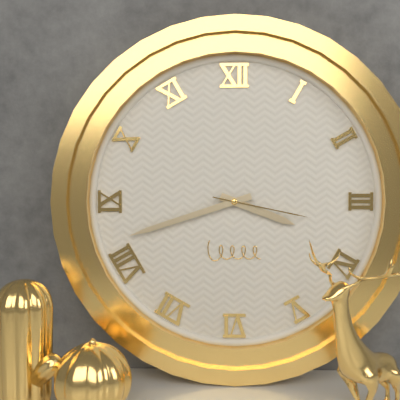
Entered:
3:42:17
